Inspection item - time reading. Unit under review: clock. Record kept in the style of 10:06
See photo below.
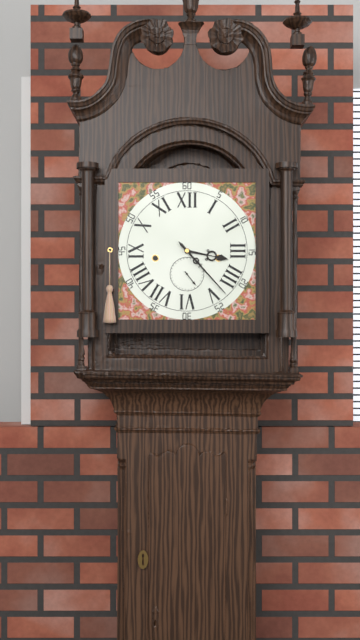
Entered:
3:23
